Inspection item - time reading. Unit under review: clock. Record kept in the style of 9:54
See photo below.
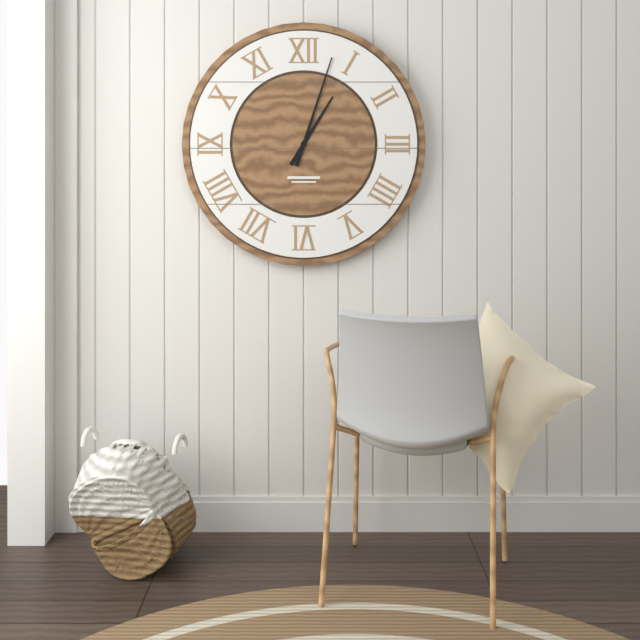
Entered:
1:03
